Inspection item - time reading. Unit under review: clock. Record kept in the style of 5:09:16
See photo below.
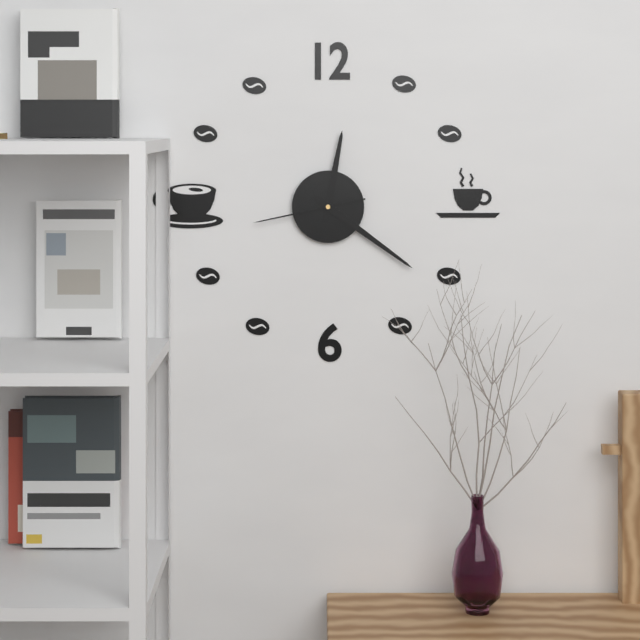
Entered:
12:21:43
